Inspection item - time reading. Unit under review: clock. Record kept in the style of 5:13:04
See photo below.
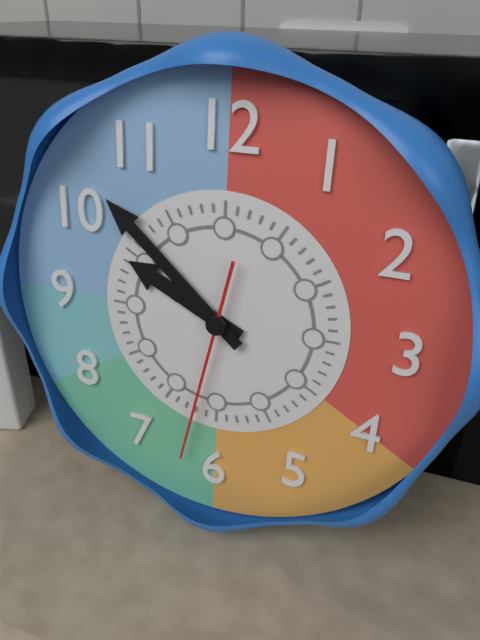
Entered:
9:52:32
